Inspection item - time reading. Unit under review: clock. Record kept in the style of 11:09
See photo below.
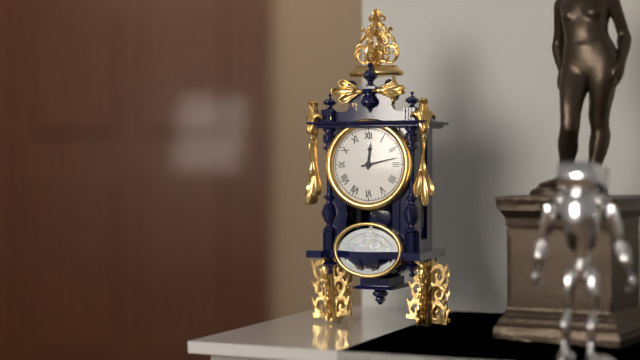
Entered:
12:13
